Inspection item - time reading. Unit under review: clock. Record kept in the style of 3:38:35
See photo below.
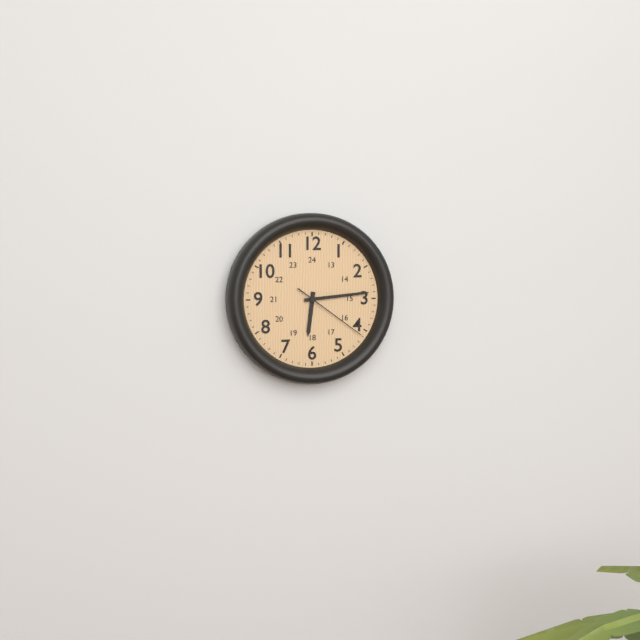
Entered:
6:14:21
